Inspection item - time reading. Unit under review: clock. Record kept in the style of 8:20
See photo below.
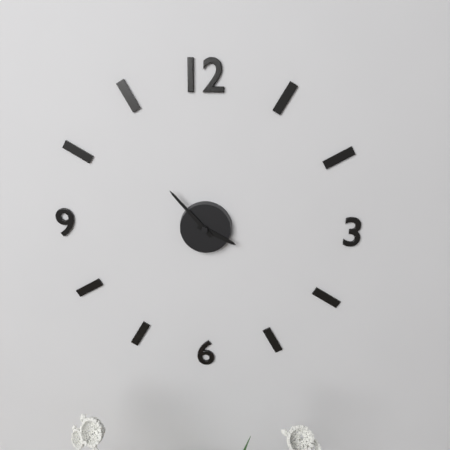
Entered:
3:53
